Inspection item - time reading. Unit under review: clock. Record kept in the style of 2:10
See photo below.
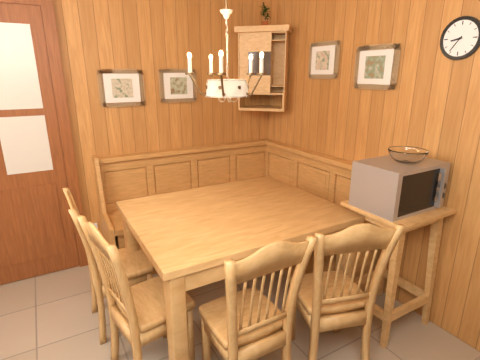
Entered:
8:36
